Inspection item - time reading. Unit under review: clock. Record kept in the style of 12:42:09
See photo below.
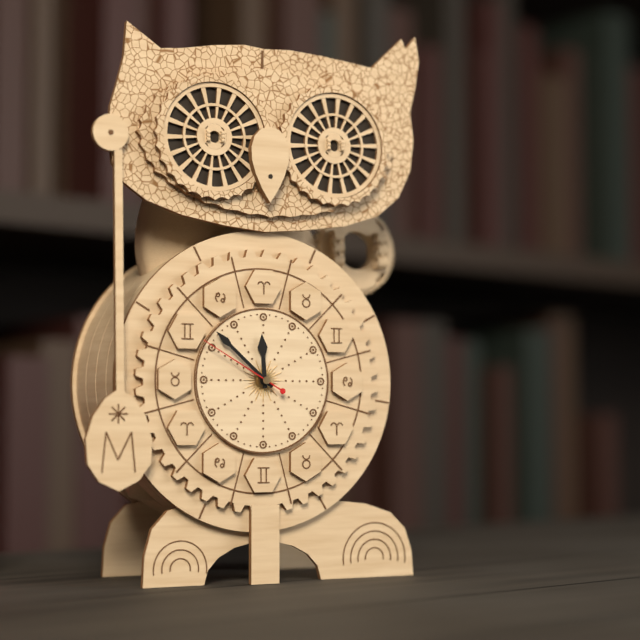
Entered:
11:52:50
